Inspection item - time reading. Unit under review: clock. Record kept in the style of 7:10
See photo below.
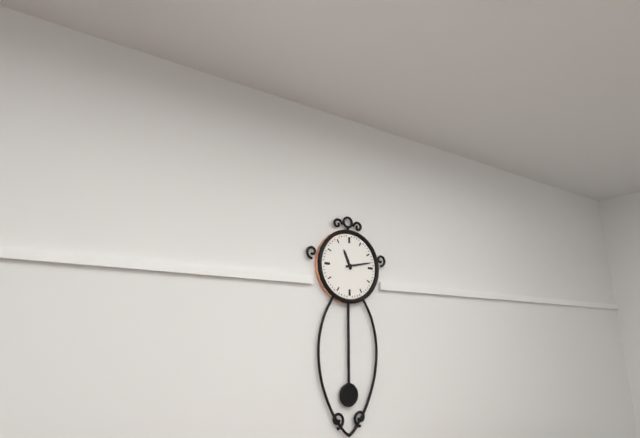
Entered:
11:13
